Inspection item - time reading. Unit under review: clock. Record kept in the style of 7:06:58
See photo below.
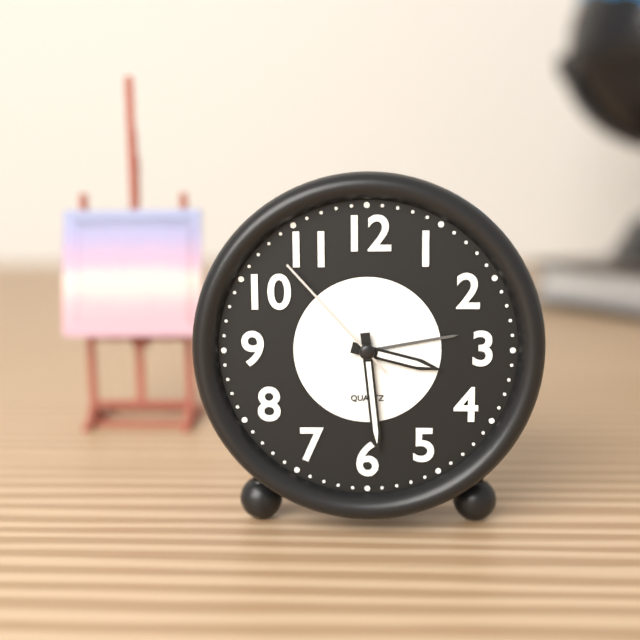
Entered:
3:29:53
